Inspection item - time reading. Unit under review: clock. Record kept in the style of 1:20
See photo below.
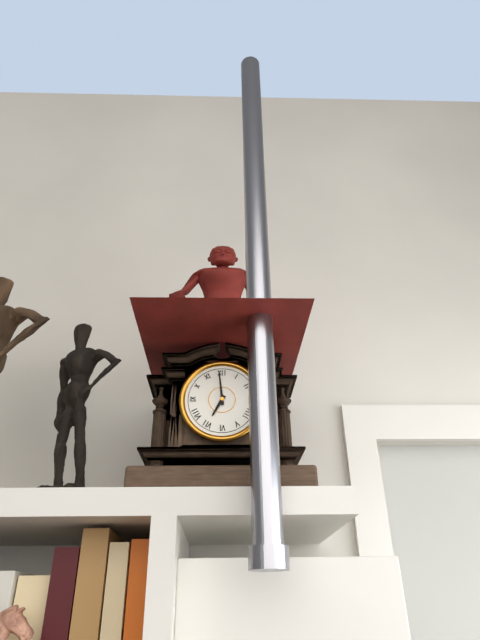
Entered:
6:59
